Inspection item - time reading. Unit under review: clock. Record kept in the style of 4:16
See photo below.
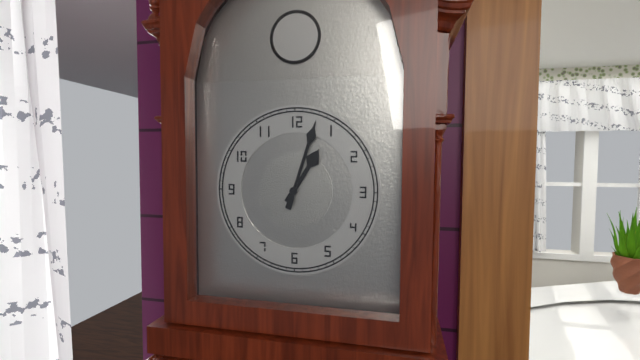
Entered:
1:03
